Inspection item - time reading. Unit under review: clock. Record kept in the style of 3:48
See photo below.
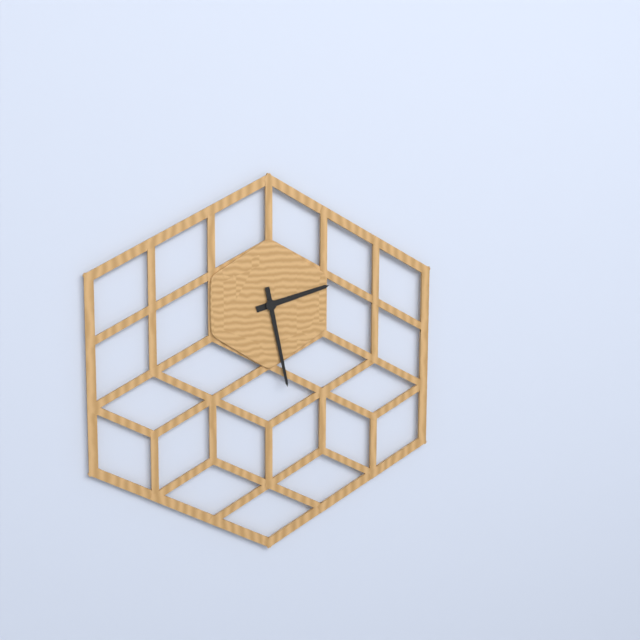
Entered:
2:28
